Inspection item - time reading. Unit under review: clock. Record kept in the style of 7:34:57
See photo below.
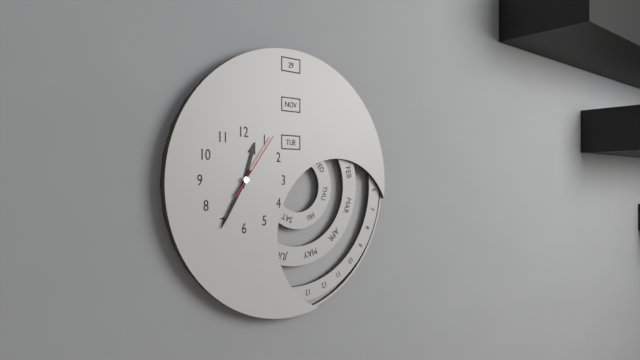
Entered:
12:35:06
